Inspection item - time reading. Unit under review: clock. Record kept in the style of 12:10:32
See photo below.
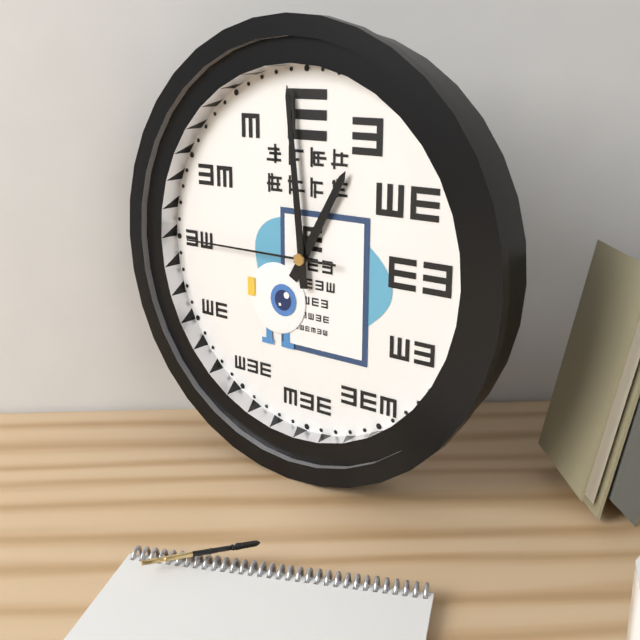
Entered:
12:59:45
